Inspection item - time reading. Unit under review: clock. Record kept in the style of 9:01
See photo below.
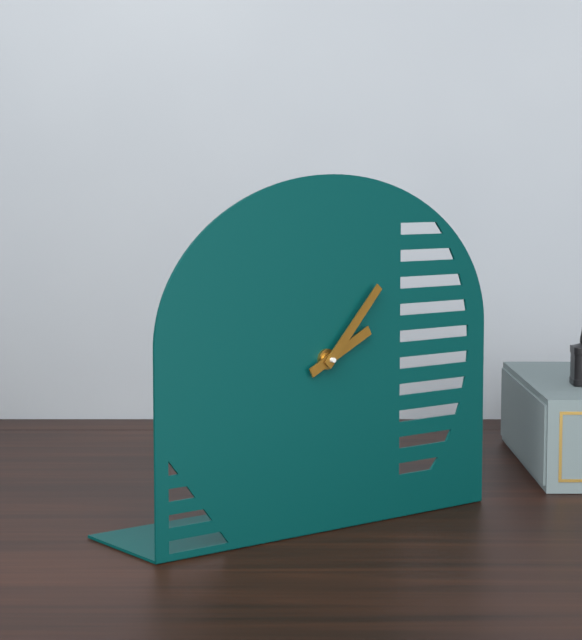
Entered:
2:07
